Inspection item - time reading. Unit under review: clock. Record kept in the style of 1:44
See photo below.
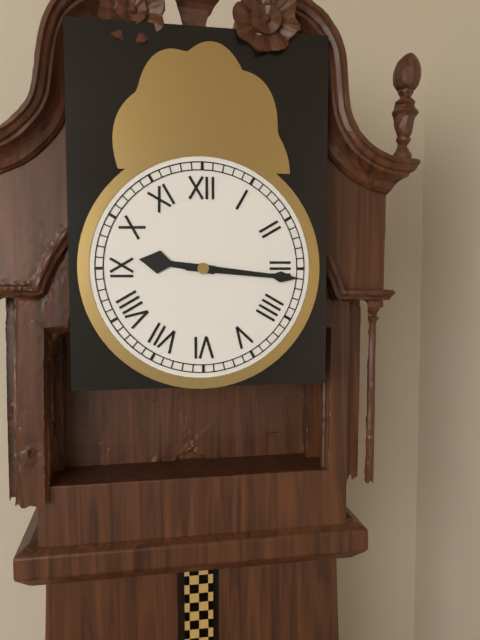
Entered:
9:16
